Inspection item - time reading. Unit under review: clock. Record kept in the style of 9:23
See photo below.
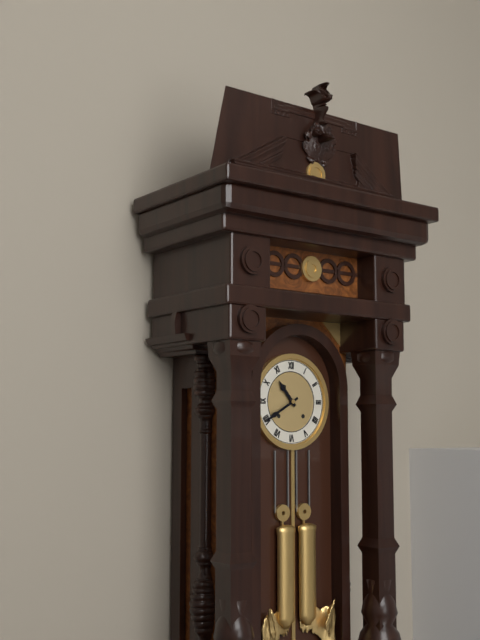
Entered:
10:40
